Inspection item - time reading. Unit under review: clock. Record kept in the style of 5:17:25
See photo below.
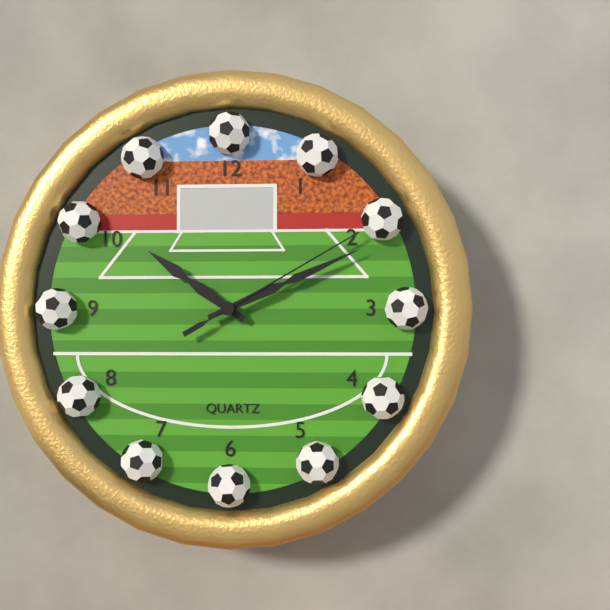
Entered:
10:11:10
